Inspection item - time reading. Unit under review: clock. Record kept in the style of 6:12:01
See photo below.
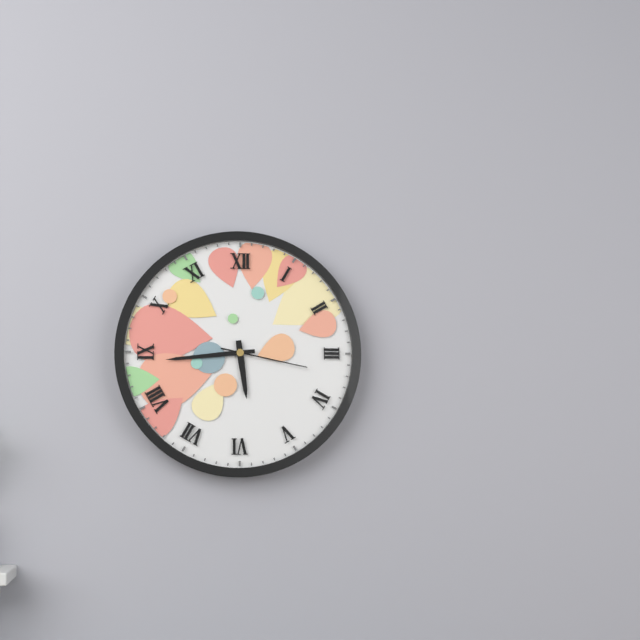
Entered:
5:44:17
